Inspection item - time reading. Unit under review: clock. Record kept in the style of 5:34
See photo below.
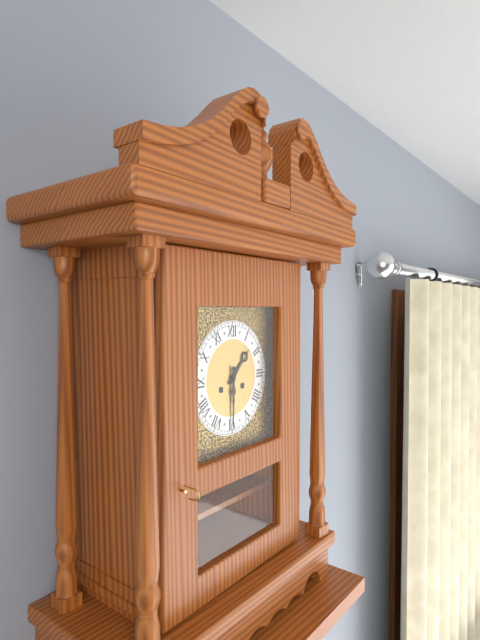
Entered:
1:30
